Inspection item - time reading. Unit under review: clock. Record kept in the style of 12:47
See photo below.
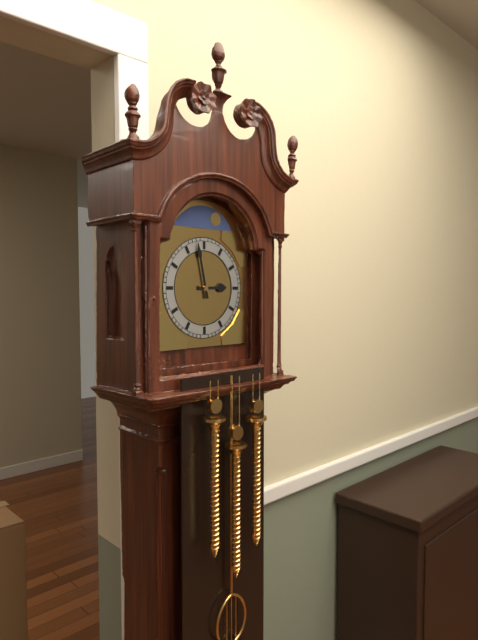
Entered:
2:58
